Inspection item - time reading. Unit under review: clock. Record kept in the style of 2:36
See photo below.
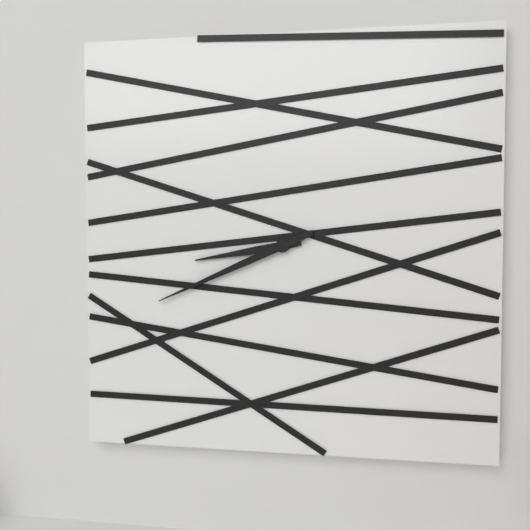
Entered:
8:41
